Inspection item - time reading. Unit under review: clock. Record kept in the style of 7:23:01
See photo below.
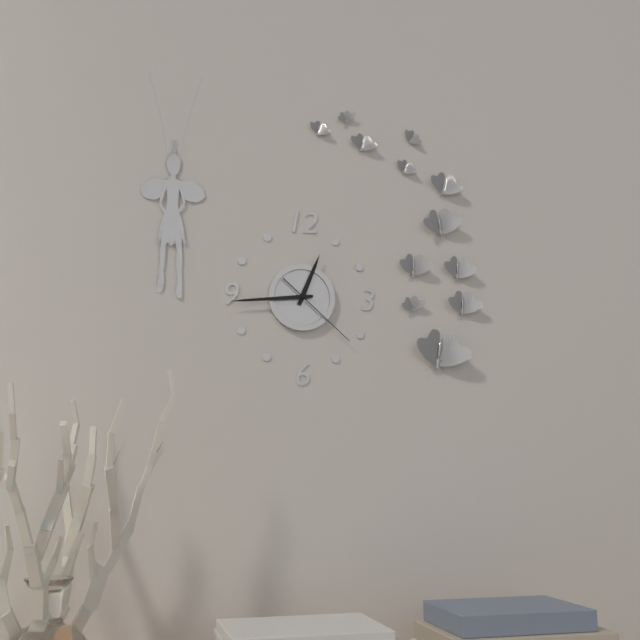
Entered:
12:44:22
